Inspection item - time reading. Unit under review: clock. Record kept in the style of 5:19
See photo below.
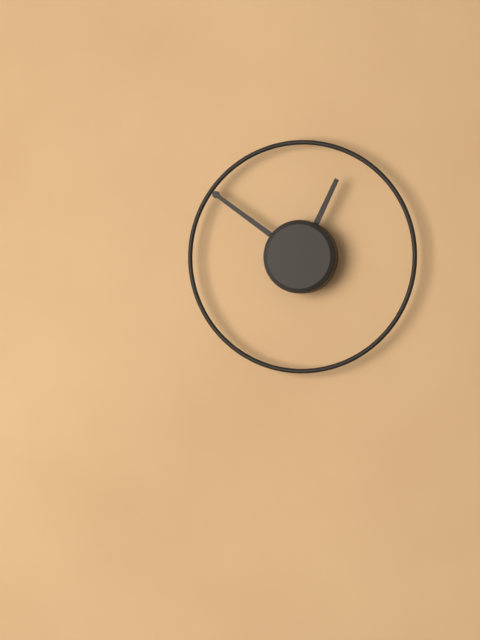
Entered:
12:51
